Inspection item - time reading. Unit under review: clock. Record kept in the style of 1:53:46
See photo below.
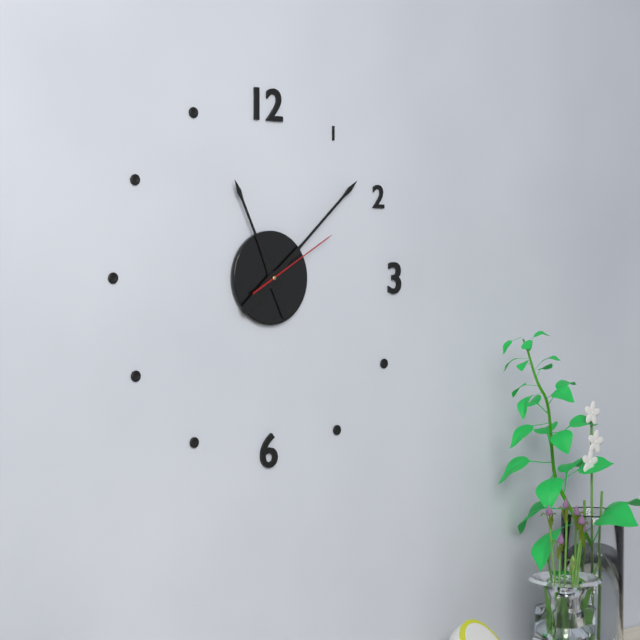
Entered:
11:08:10
